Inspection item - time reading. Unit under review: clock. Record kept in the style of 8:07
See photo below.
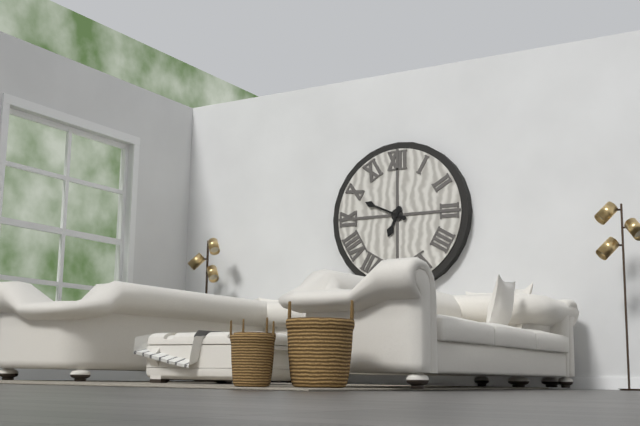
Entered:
6:49
